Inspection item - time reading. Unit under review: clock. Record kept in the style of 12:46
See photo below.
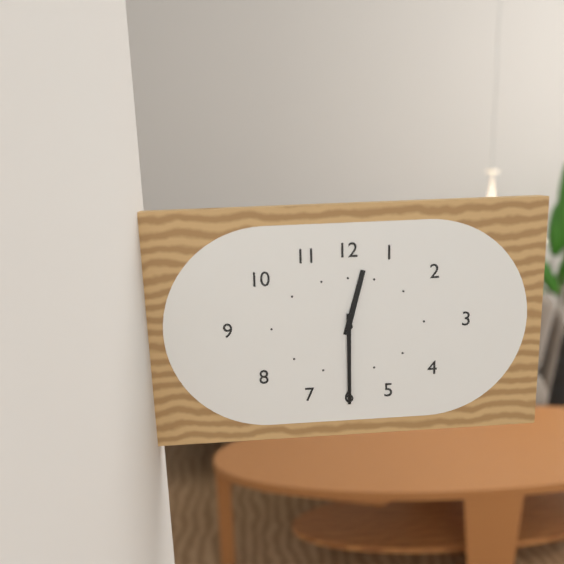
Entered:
12:30
